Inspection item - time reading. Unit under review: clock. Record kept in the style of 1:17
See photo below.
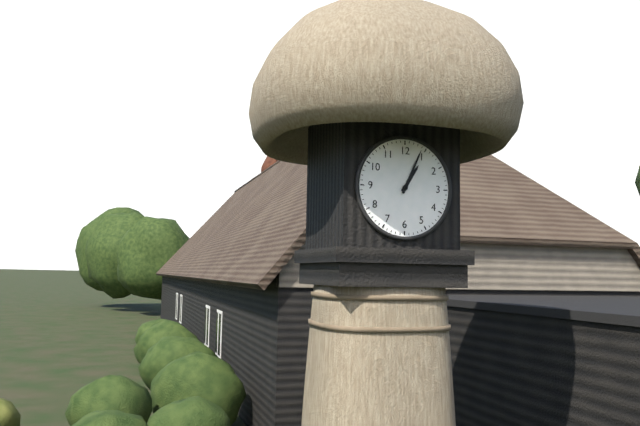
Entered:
1:04
